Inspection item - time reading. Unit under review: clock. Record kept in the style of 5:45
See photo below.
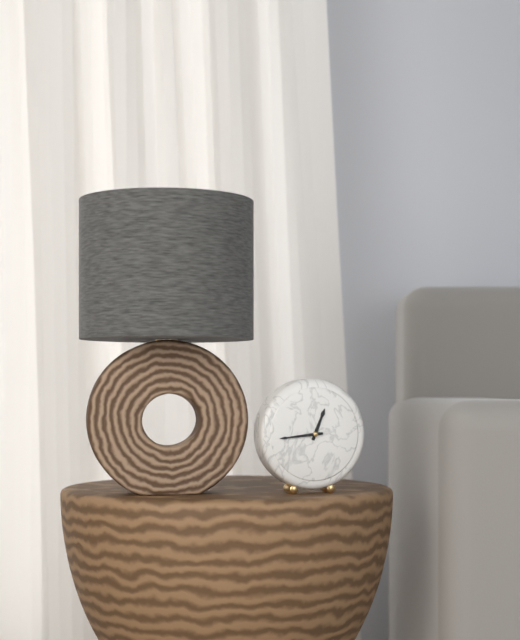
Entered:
12:44
